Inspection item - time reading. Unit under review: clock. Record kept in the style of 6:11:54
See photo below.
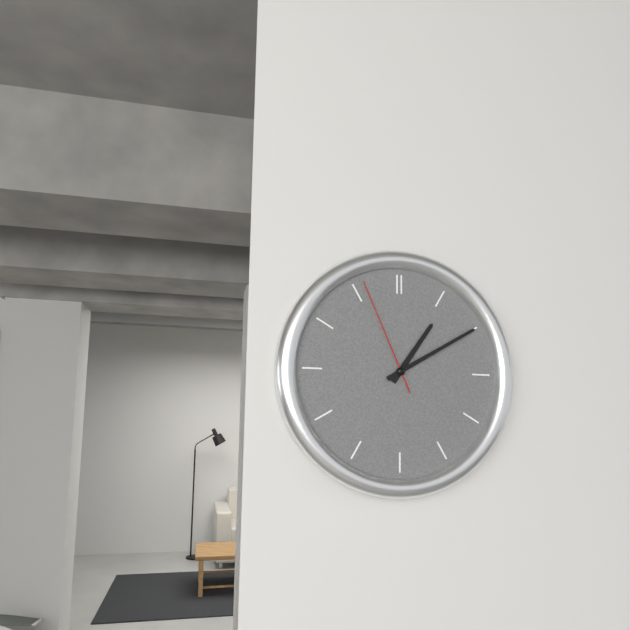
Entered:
1:10:56
